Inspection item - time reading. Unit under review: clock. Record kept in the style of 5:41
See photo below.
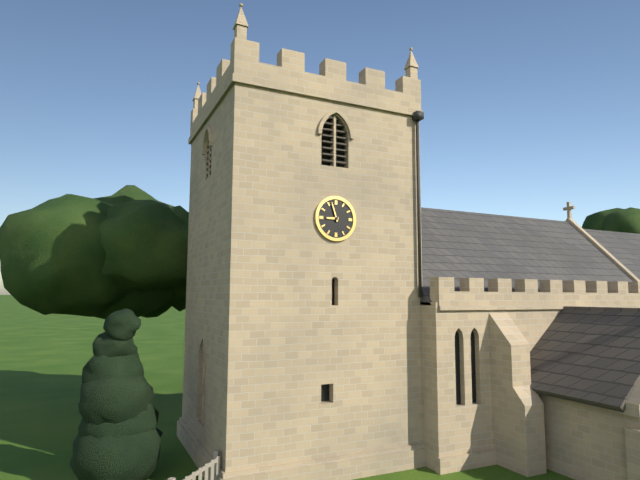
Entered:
8:57
